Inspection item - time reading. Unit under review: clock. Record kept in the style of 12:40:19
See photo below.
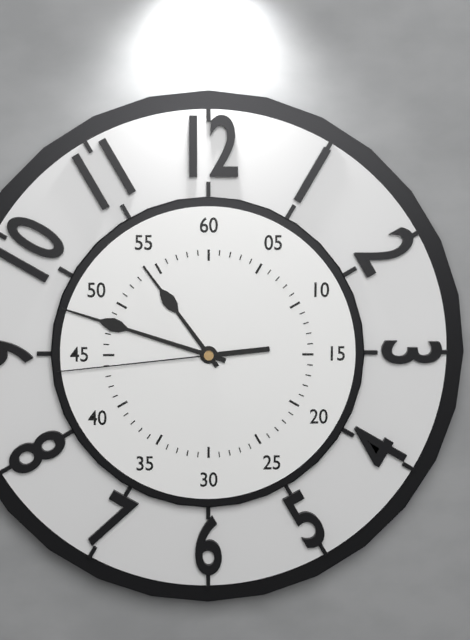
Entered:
10:48:44
